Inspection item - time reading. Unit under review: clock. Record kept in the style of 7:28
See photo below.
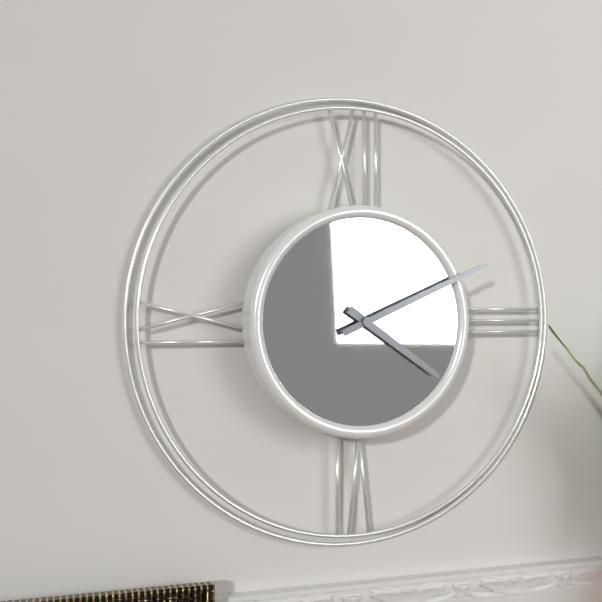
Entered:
4:11
